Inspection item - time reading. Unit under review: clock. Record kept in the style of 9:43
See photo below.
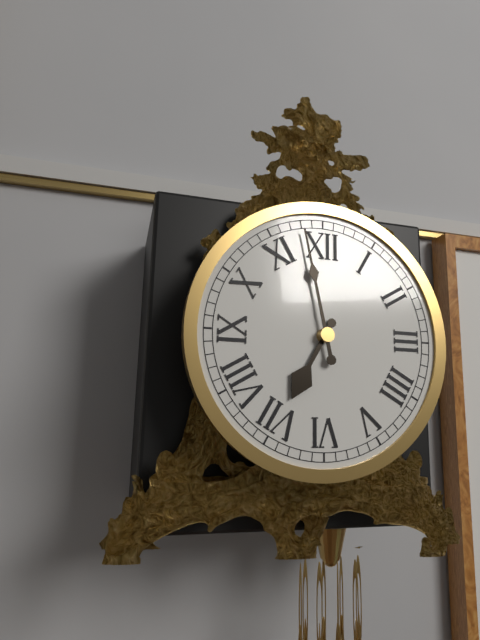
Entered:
6:58
